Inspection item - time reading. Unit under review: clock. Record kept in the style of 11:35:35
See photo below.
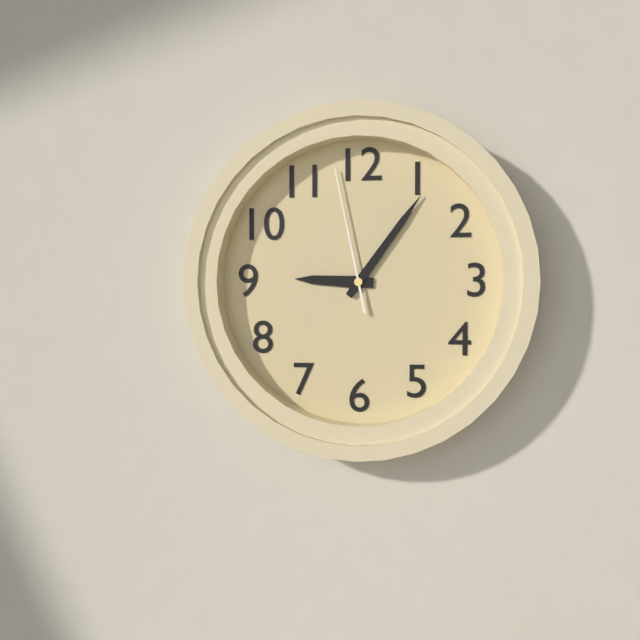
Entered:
9:06:58
